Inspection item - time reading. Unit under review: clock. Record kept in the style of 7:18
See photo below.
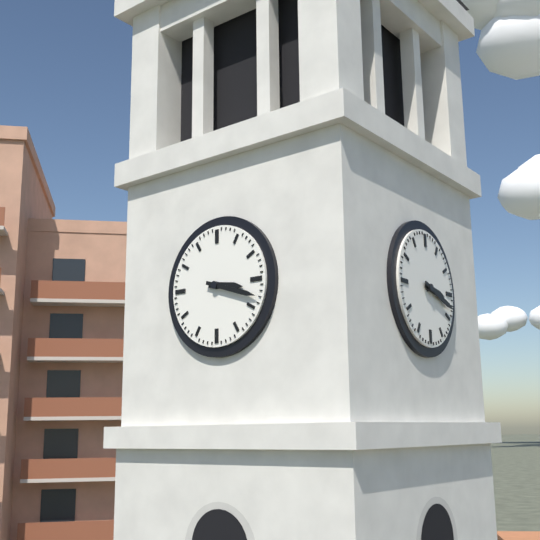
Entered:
3:18
